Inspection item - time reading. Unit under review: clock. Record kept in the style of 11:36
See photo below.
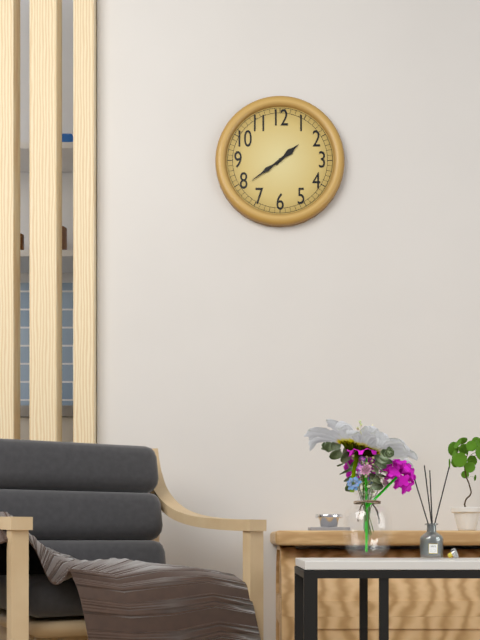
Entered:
1:39
